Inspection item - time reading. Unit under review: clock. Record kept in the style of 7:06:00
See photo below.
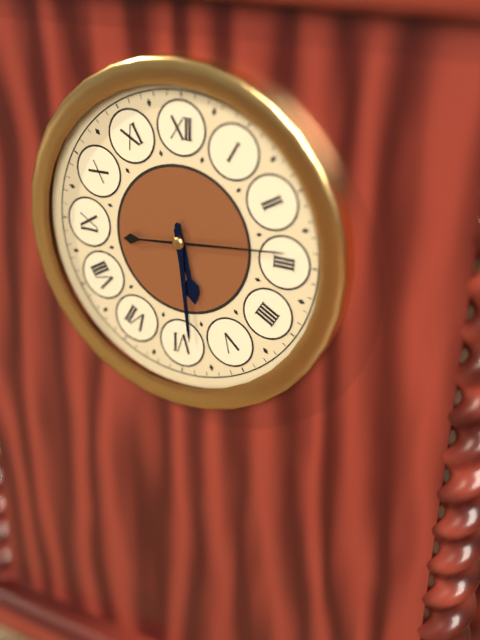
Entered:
5:29:14
